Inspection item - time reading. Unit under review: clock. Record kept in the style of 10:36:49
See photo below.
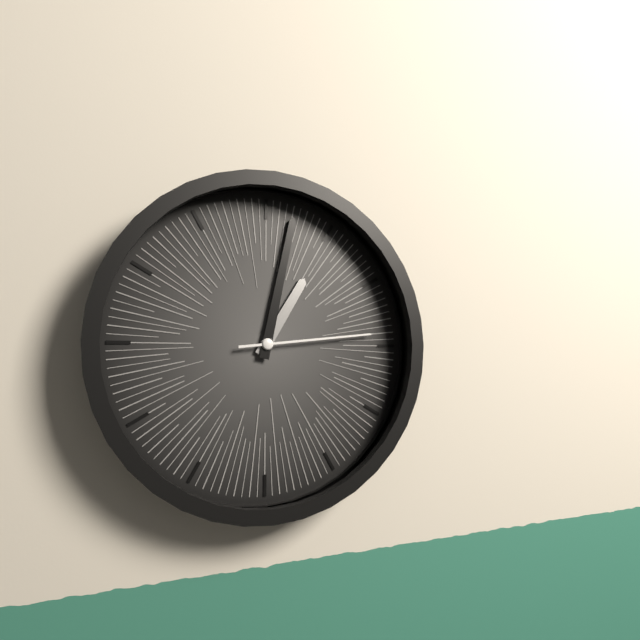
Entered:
1:02:14
